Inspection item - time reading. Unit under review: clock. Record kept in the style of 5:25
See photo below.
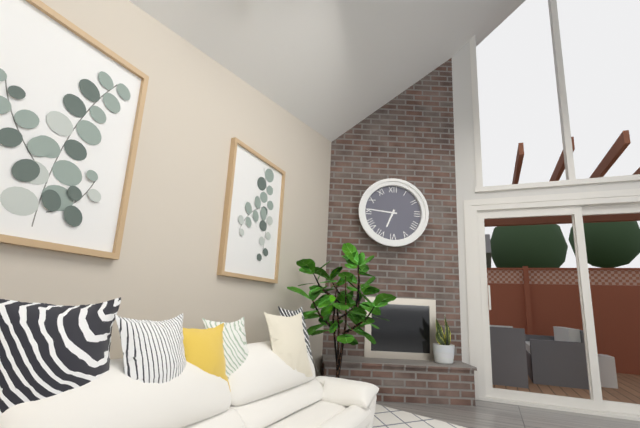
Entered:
6:46
